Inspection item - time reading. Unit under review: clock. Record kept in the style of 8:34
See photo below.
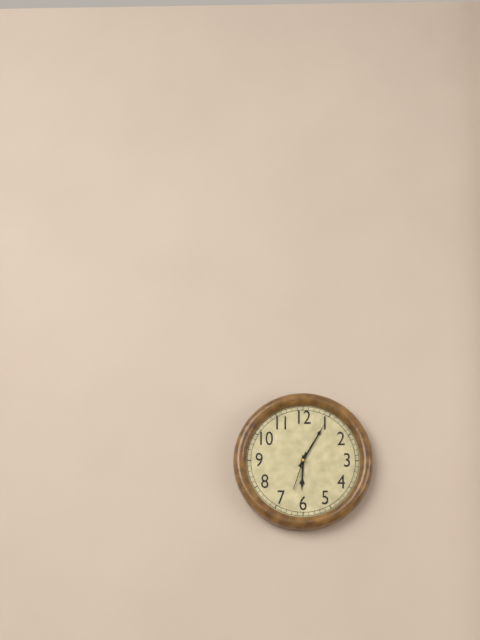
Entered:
6:05
